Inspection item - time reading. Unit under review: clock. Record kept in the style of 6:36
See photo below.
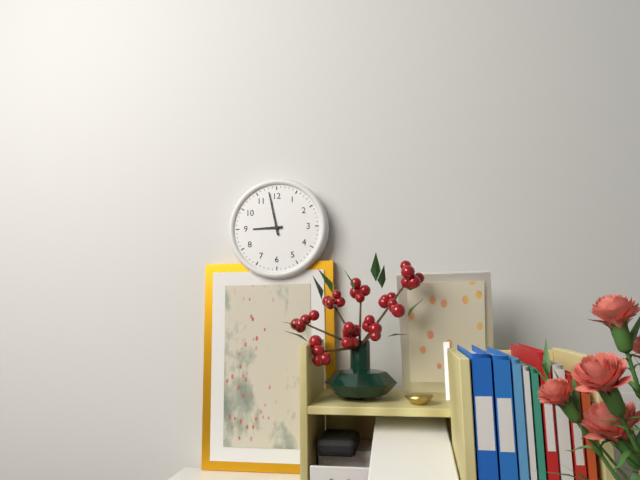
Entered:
8:58
